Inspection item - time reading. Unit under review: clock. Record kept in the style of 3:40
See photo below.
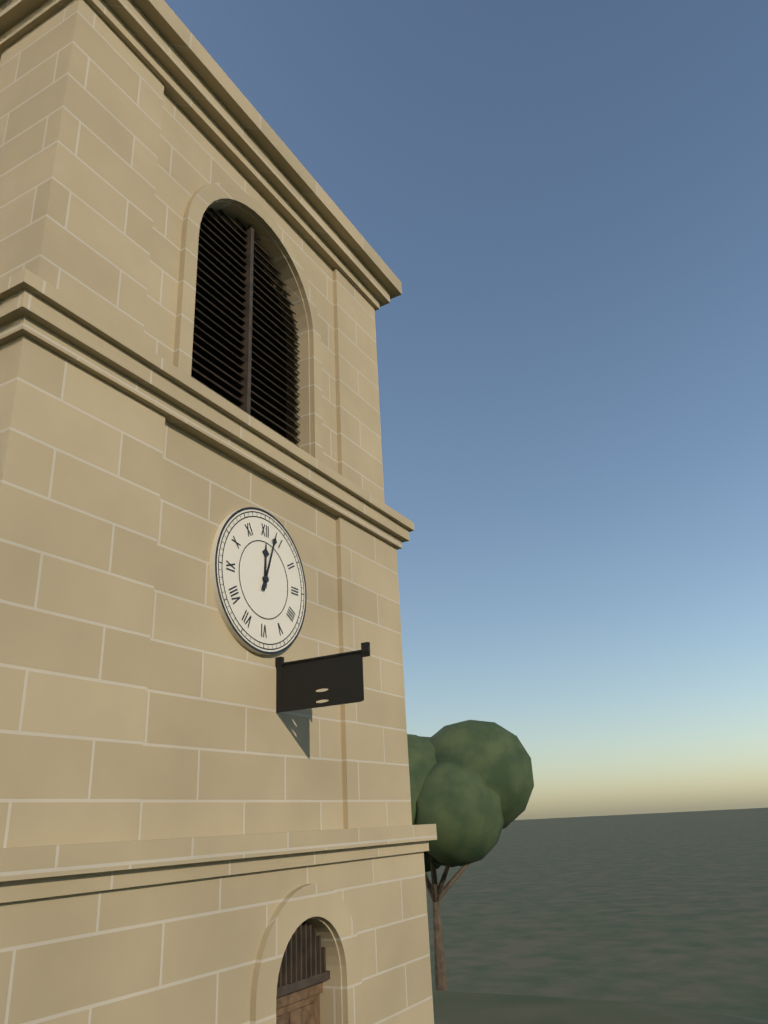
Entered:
12:03
